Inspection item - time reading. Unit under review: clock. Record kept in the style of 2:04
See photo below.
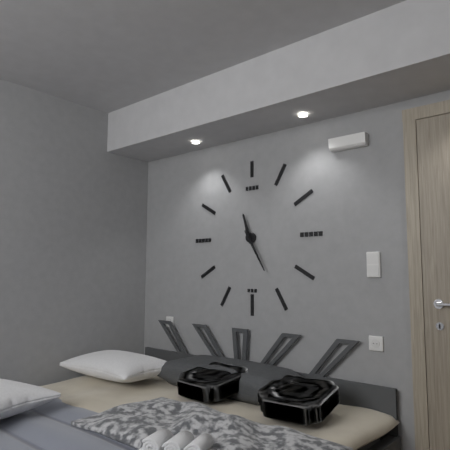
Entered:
11:25
